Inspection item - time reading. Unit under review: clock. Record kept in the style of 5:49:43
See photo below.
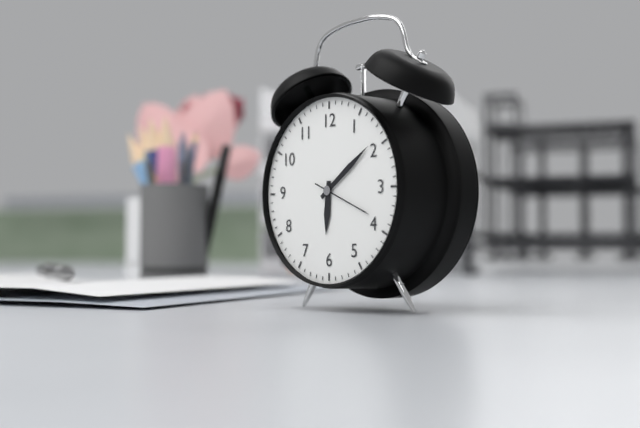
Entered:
6:09:19
